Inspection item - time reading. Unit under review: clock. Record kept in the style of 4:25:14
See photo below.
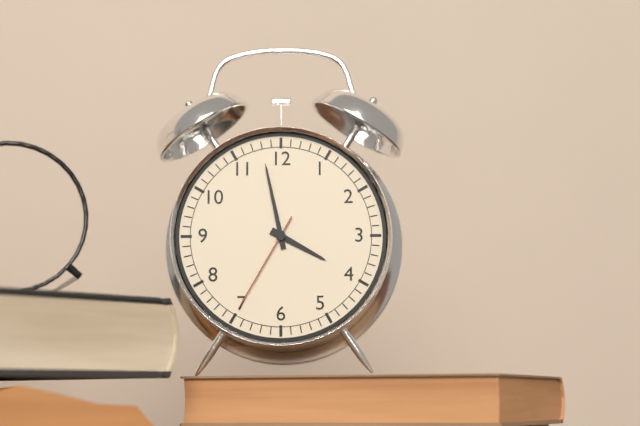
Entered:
3:58:35
